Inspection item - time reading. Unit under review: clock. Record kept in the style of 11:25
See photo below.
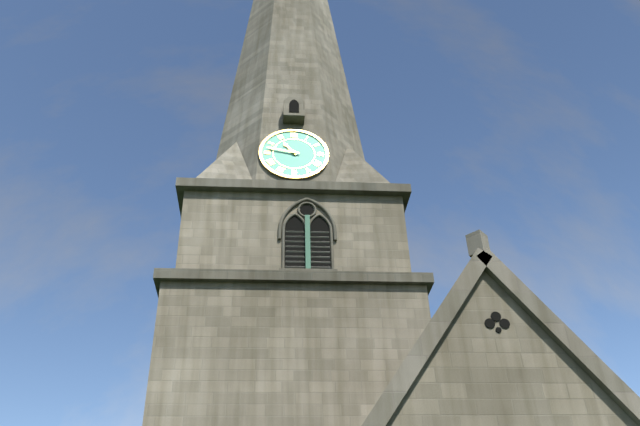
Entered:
10:47
